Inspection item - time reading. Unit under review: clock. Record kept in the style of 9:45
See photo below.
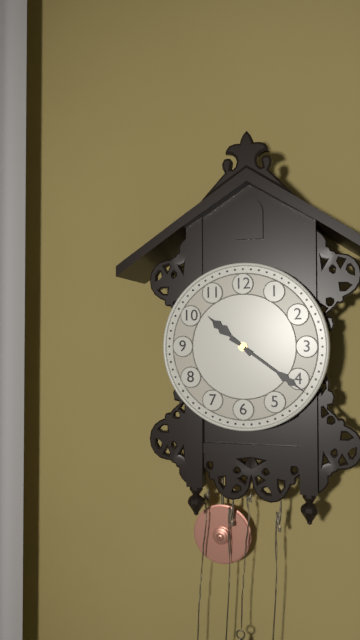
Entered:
10:21
